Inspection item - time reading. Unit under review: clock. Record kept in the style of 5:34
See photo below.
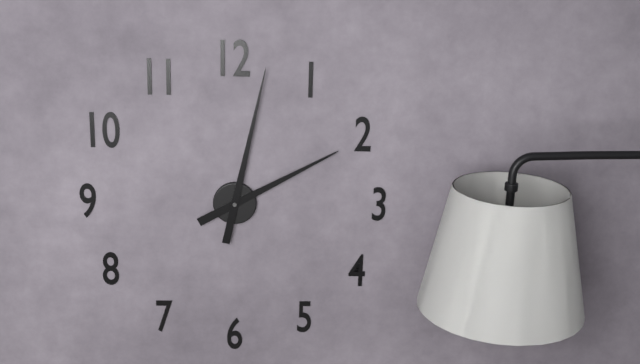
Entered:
2:02
